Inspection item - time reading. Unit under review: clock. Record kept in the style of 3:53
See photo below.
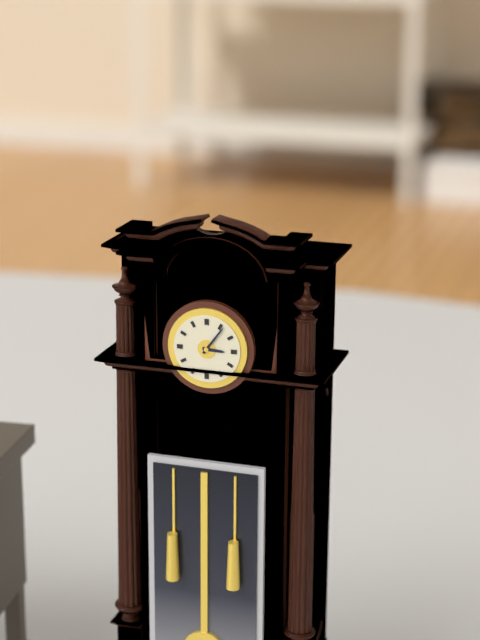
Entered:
3:06
